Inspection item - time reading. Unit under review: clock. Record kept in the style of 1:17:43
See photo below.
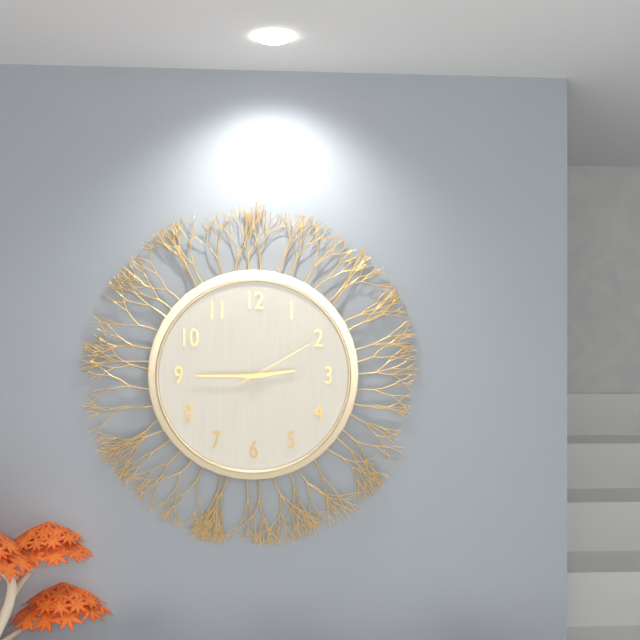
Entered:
2:45:10
